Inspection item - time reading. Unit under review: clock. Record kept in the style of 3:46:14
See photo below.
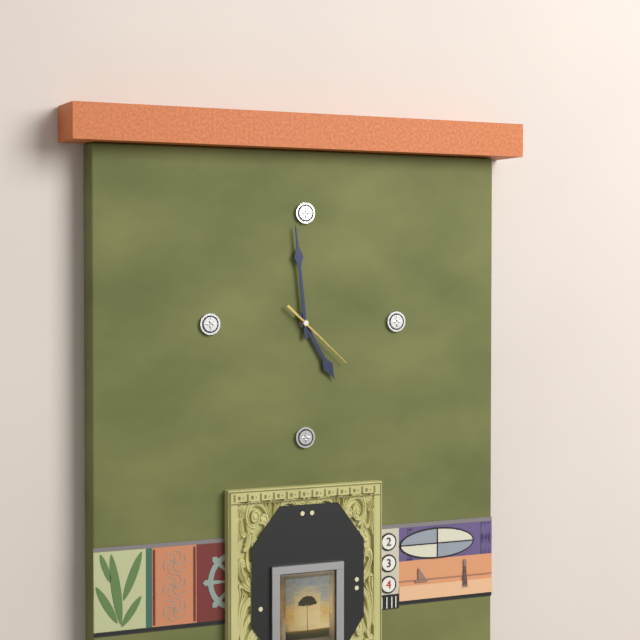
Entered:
4:59:22
